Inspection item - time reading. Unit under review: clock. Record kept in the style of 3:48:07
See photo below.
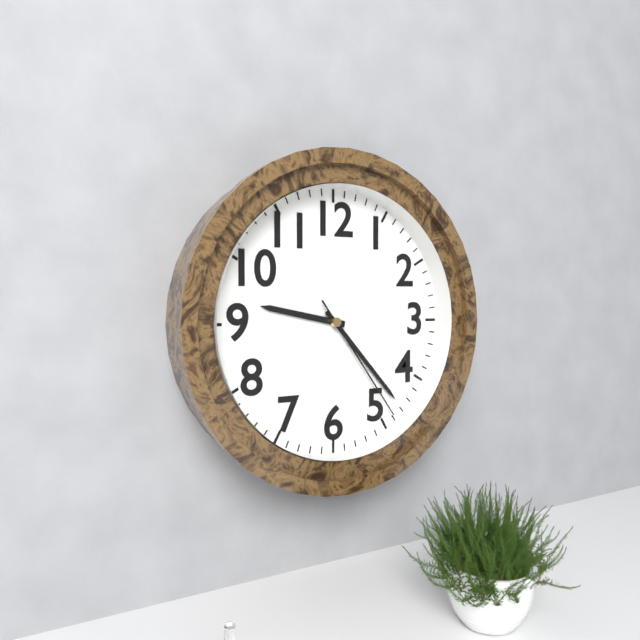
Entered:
9:23:24
